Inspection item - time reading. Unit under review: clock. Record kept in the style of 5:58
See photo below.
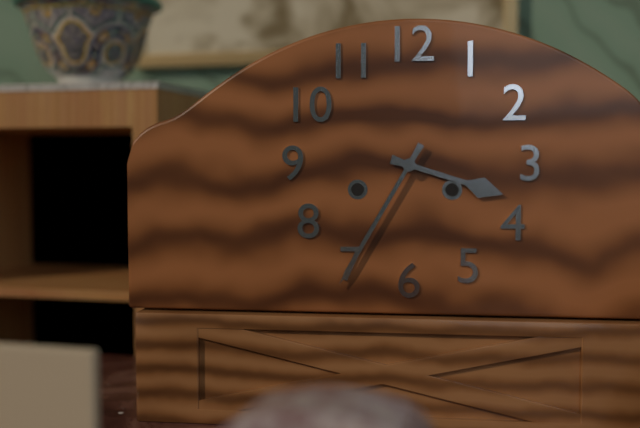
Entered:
3:35
